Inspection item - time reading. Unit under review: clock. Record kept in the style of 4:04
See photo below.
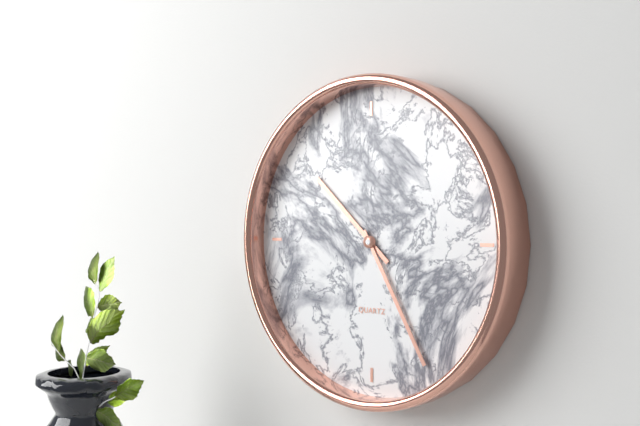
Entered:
10:25
